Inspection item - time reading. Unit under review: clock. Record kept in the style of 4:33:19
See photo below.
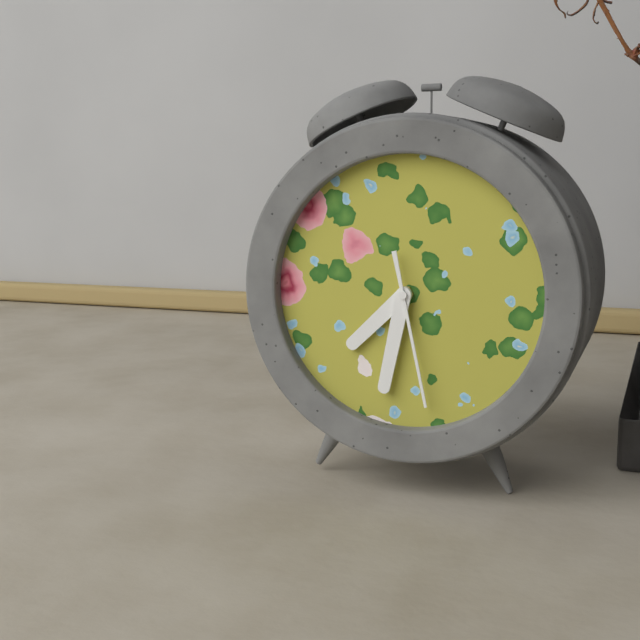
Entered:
7:32:28
